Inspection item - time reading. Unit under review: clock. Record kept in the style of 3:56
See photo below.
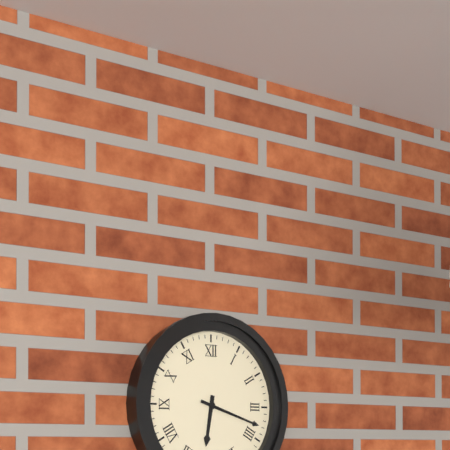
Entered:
6:18
